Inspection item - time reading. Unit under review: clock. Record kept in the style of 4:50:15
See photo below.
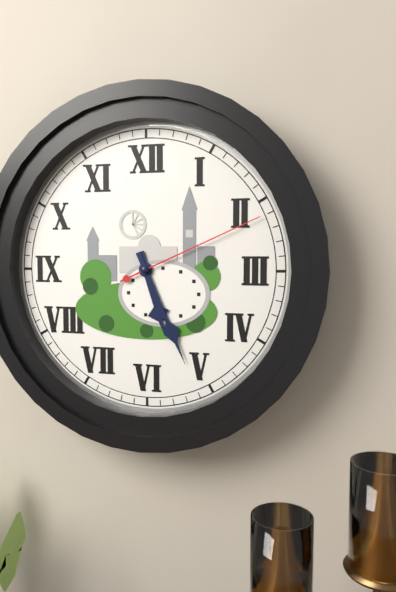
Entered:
5:26:11
